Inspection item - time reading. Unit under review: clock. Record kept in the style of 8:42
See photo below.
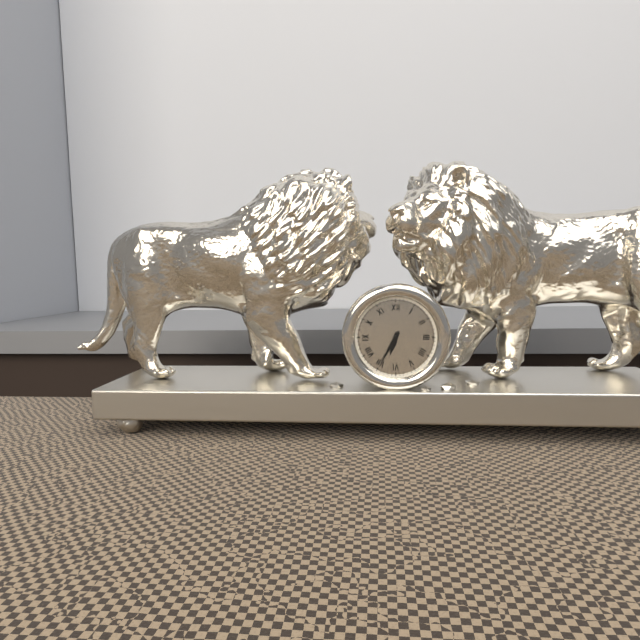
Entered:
6:35
